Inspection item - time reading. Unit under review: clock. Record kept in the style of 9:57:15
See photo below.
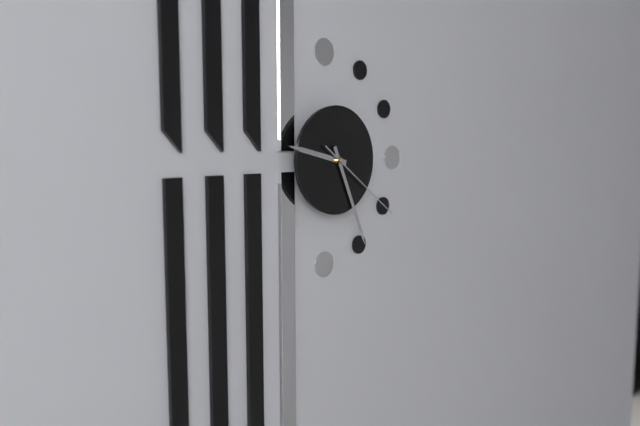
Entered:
9:26:21
